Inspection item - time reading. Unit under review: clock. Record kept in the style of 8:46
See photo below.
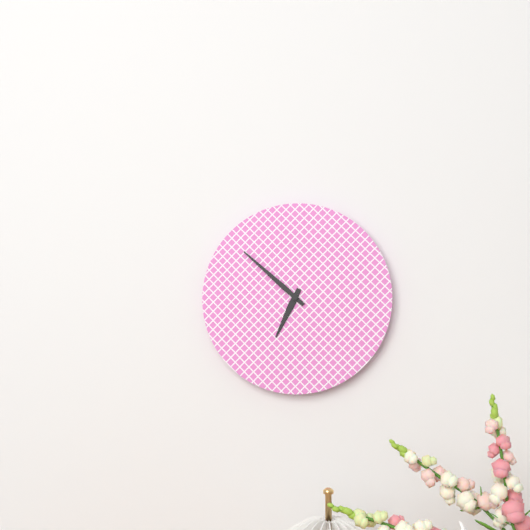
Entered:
6:52
